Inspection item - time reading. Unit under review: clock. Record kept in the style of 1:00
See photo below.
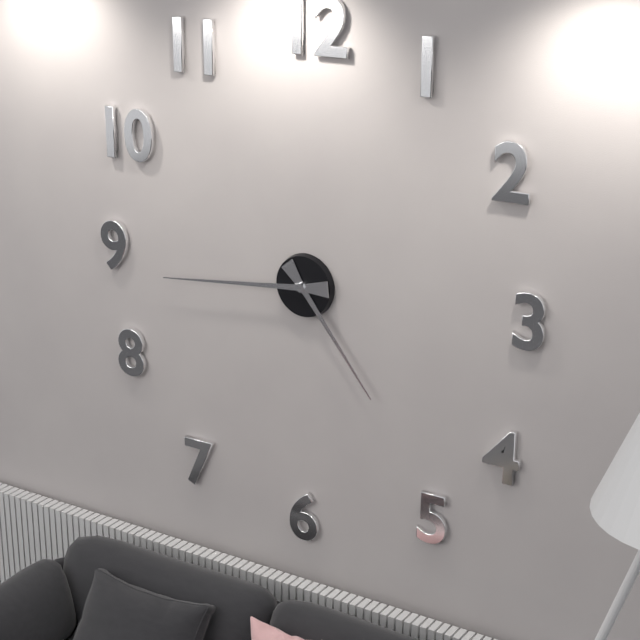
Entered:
4:44
